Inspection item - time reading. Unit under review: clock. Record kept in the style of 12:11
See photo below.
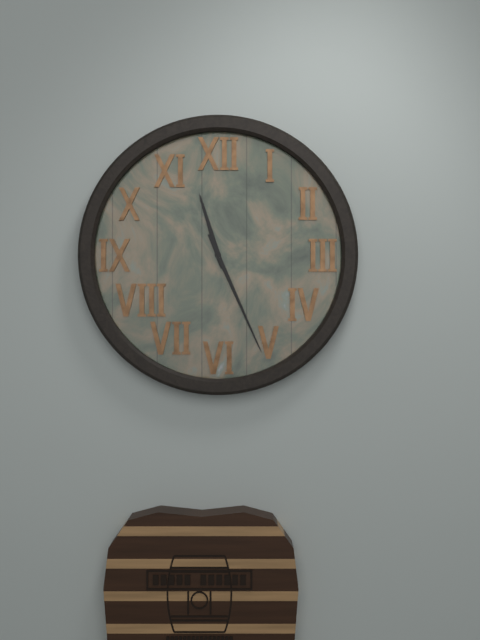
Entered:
11:26
